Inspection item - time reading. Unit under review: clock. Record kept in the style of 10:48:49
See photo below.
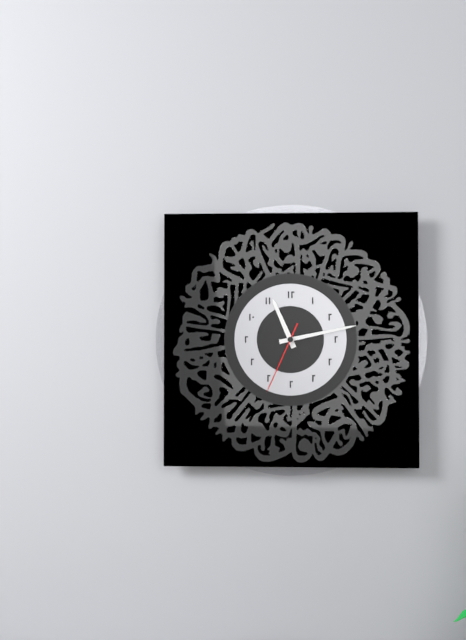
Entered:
11:13:34
